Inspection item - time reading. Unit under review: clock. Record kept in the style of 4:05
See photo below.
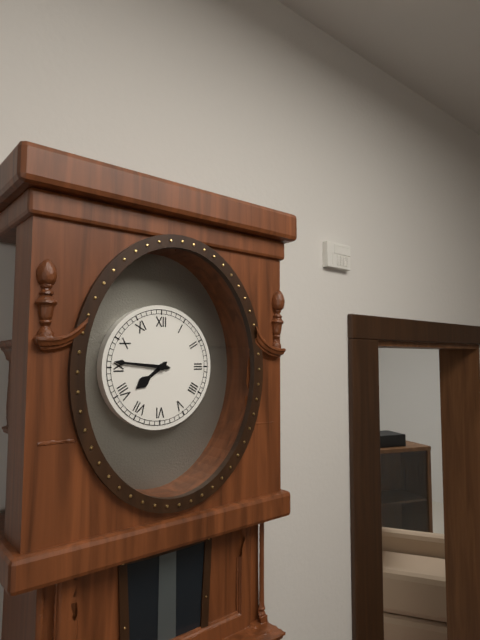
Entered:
7:46
